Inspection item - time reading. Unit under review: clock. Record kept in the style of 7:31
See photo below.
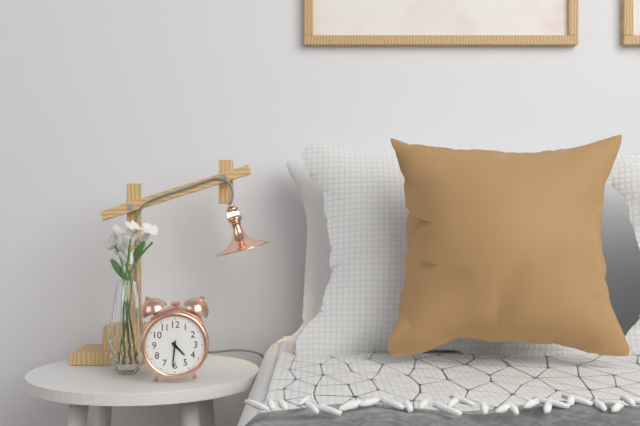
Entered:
4:31
